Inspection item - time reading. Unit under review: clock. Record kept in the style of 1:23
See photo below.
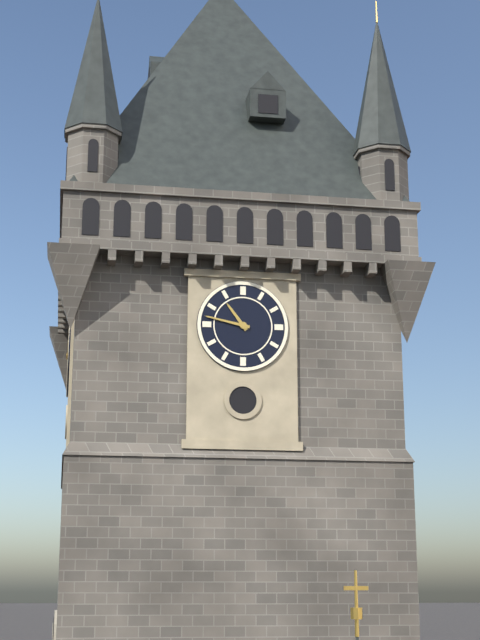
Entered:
10:47
